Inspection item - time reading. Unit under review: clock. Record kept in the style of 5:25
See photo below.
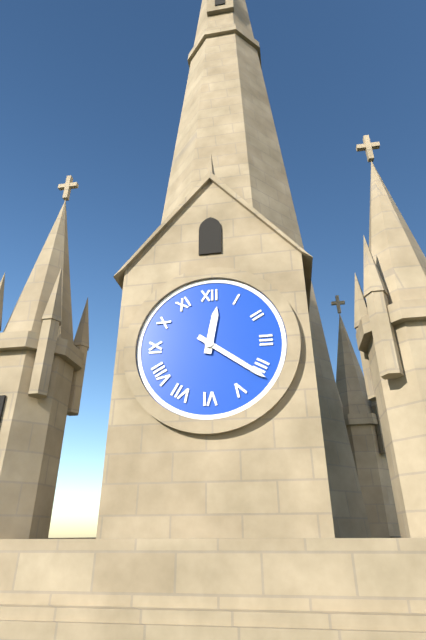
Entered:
12:21
